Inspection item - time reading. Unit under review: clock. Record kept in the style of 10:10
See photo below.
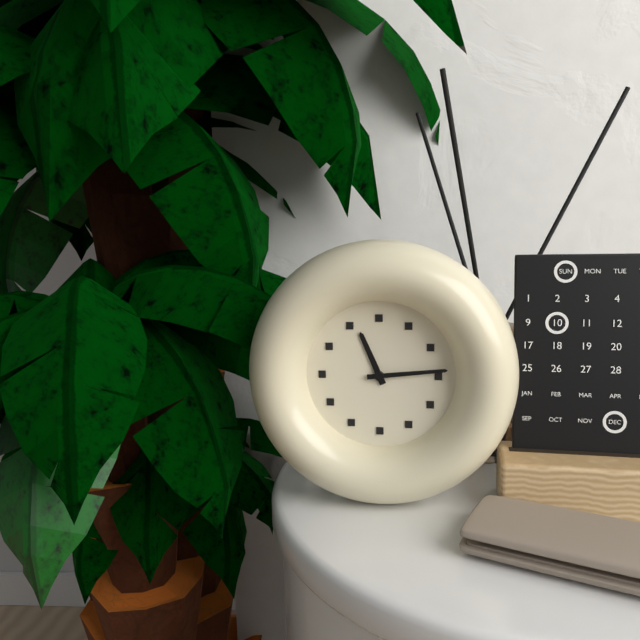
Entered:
11:14
